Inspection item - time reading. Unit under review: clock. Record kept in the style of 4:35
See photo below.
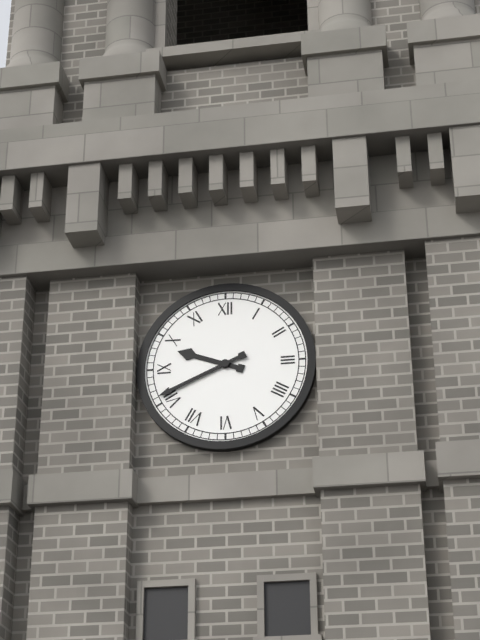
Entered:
9:41
